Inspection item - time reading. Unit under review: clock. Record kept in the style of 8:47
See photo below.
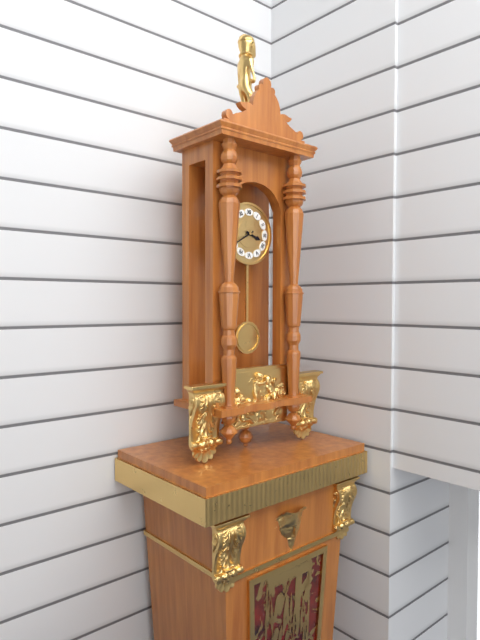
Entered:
3:40
